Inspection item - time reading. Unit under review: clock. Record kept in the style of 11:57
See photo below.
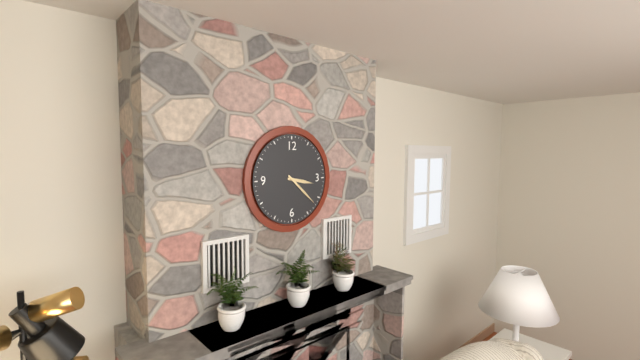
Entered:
3:22
